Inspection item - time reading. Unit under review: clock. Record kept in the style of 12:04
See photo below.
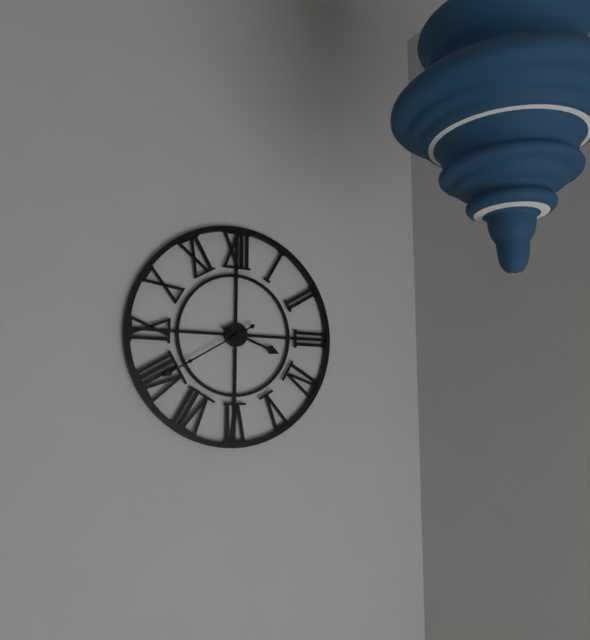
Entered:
3:40
